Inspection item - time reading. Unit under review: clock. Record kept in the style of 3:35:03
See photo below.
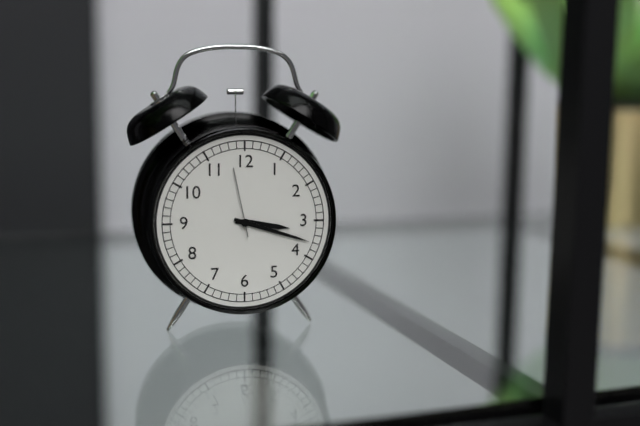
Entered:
3:18:58
